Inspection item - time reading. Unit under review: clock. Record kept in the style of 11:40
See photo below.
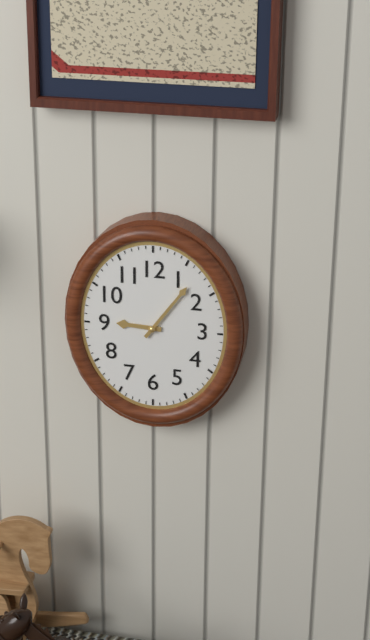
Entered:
9:06
